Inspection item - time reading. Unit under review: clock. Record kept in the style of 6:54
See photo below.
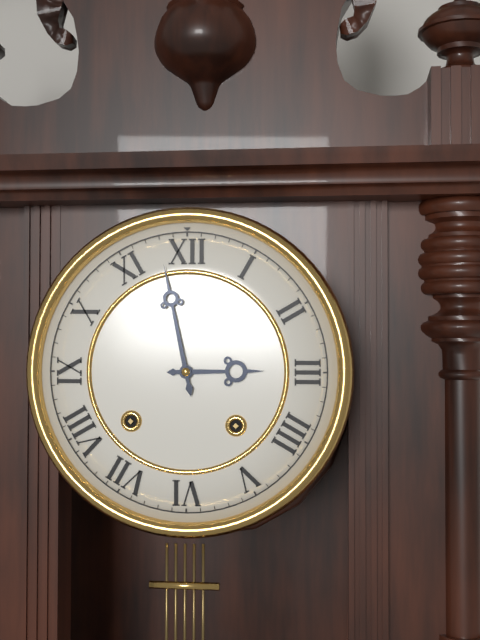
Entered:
2:58
